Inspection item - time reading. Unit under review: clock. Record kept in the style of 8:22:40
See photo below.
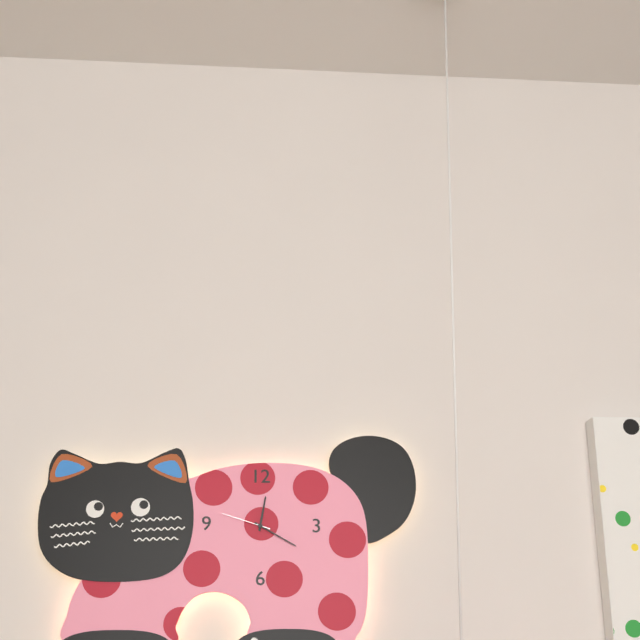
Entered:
12:20:48
